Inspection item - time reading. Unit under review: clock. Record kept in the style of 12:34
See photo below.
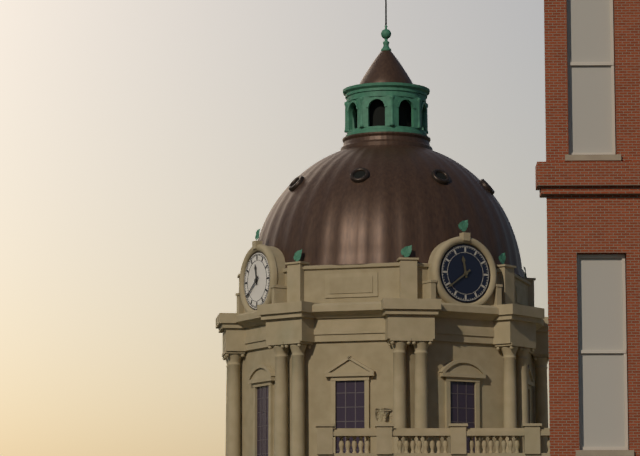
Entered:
11:39
